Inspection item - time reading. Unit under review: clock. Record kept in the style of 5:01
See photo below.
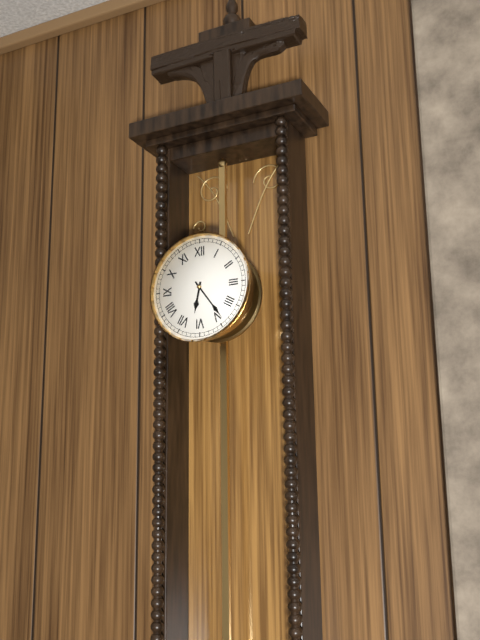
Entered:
6:24
